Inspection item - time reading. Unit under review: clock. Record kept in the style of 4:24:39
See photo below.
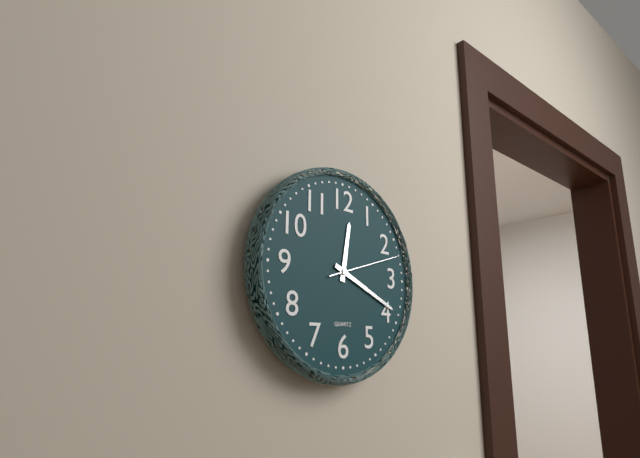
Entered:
12:19:12
